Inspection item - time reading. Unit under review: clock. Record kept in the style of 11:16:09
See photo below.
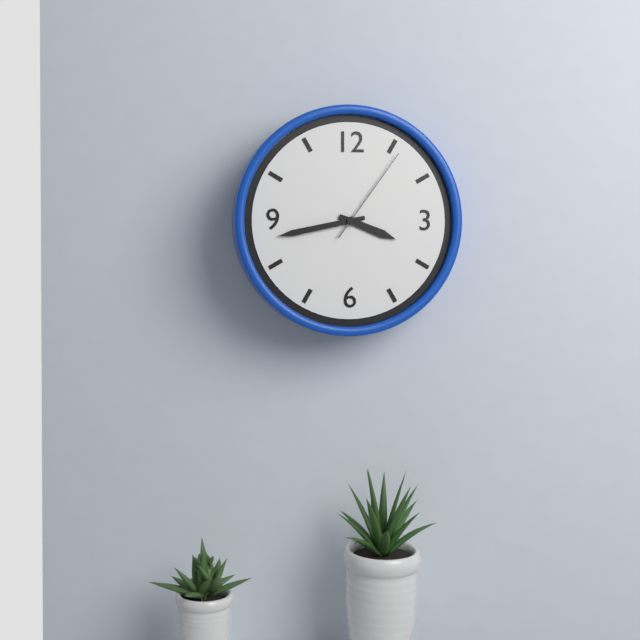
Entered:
3:43:06
